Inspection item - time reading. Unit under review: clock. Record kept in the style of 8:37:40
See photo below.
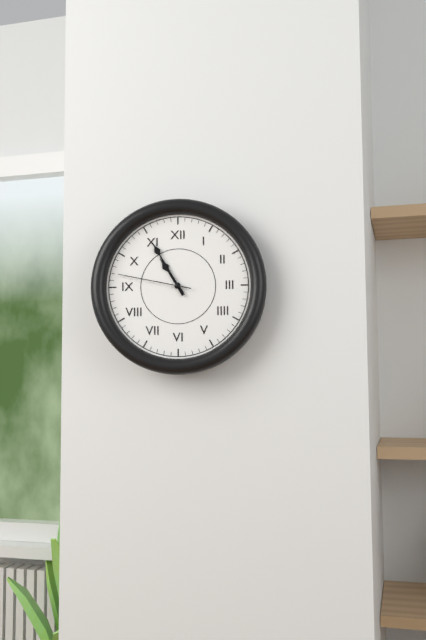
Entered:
10:55:47
